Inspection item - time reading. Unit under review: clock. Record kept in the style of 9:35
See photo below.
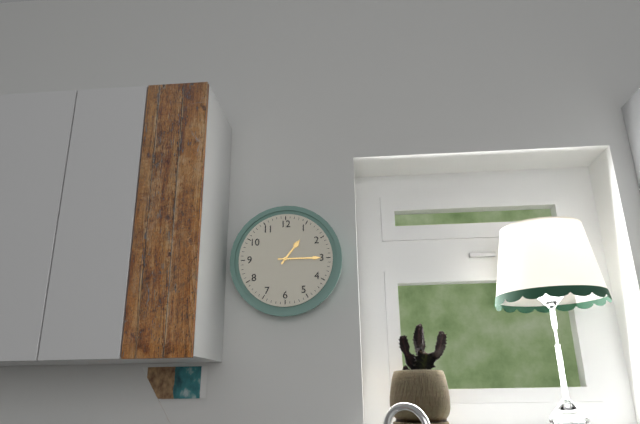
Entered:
1:15
